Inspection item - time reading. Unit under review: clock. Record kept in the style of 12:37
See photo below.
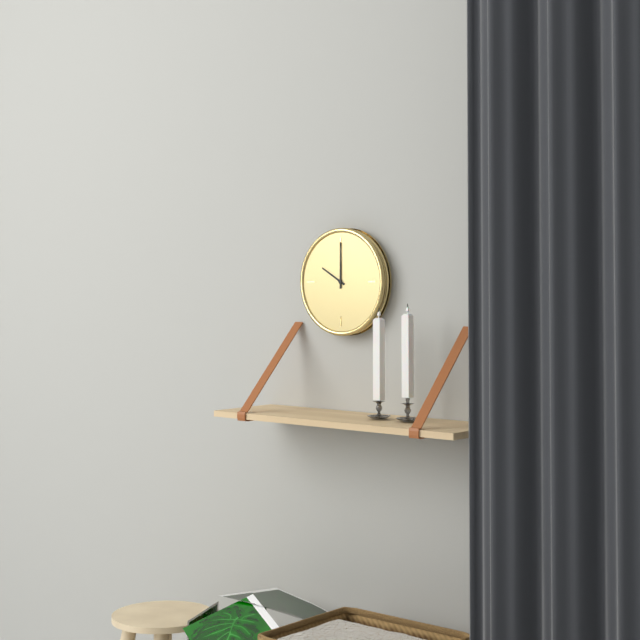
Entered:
10:00
